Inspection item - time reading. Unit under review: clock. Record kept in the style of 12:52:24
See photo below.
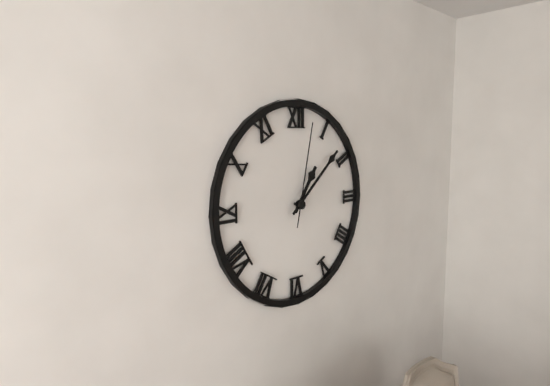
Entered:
1:08:02
